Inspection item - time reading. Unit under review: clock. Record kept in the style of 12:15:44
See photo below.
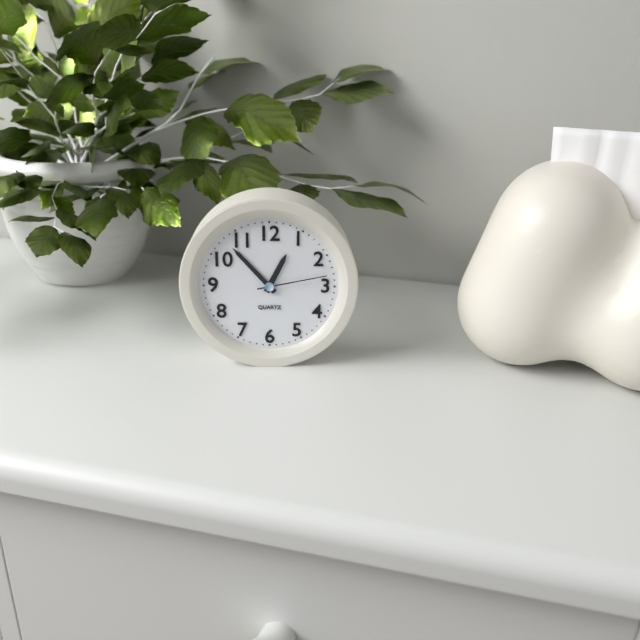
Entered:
12:53:13
